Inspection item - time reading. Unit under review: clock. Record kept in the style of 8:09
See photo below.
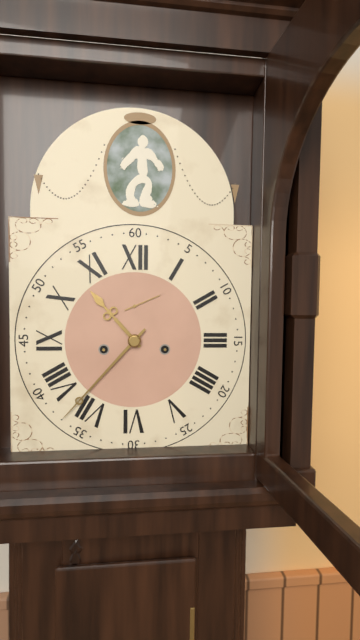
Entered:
10:37
